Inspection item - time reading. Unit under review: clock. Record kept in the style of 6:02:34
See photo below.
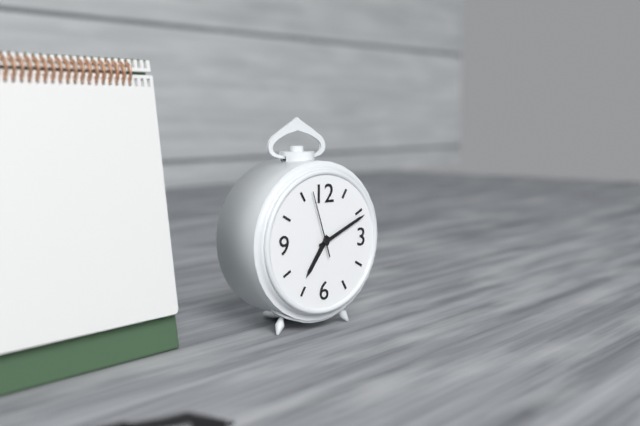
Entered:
7:11:57
